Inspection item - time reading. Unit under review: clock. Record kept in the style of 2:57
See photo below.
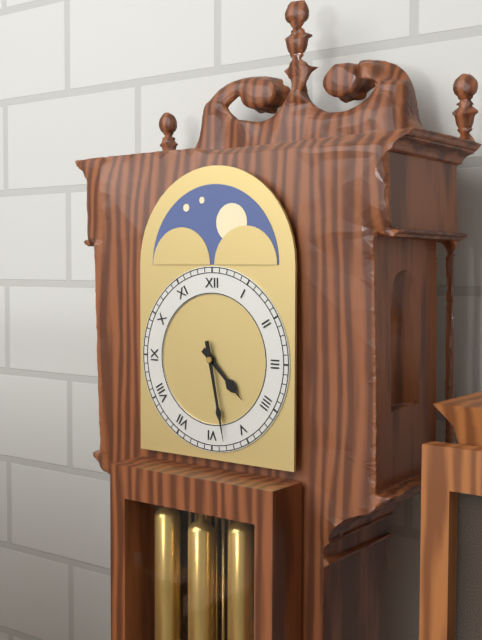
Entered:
4:28
